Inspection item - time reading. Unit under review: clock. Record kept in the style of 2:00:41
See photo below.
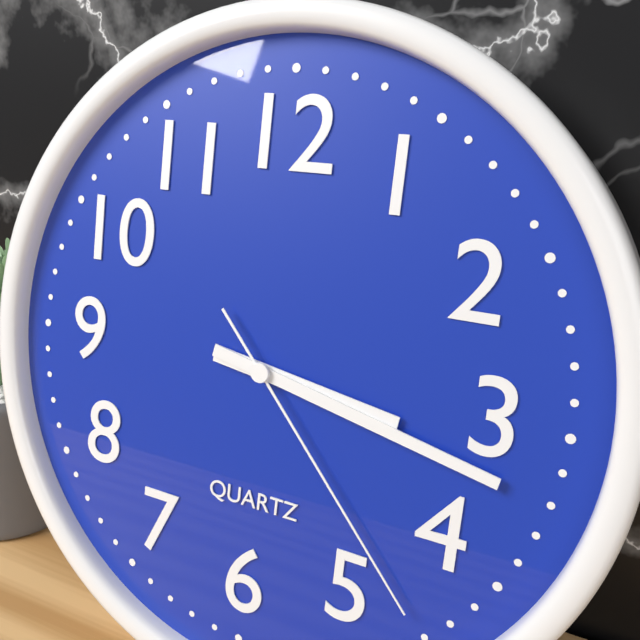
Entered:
3:17:23
